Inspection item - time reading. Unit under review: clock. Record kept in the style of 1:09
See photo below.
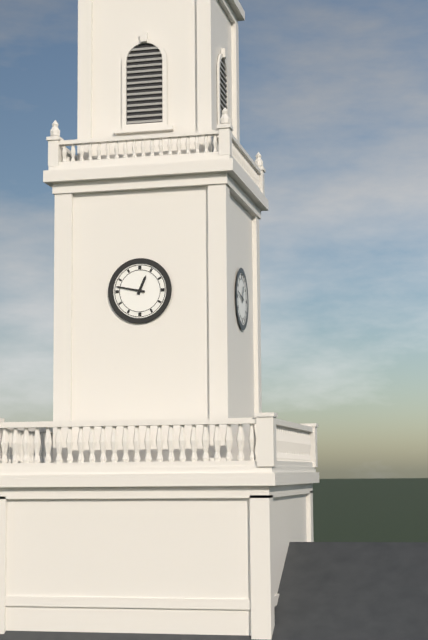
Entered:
12:47
